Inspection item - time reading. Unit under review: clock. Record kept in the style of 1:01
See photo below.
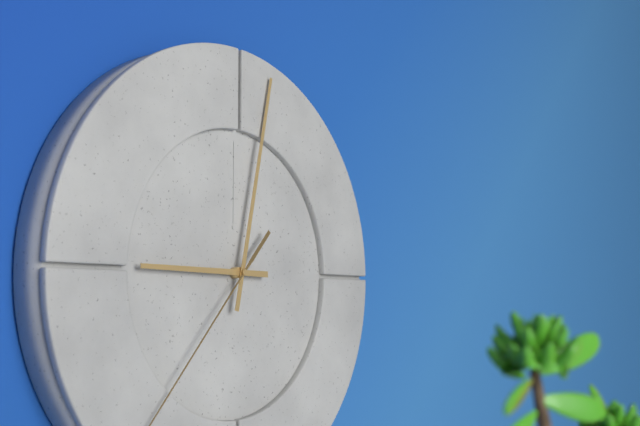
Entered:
9:02
